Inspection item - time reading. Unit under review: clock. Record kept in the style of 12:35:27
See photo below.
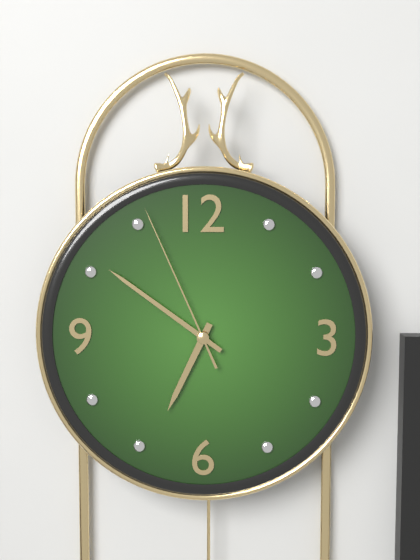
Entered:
6:51:56
